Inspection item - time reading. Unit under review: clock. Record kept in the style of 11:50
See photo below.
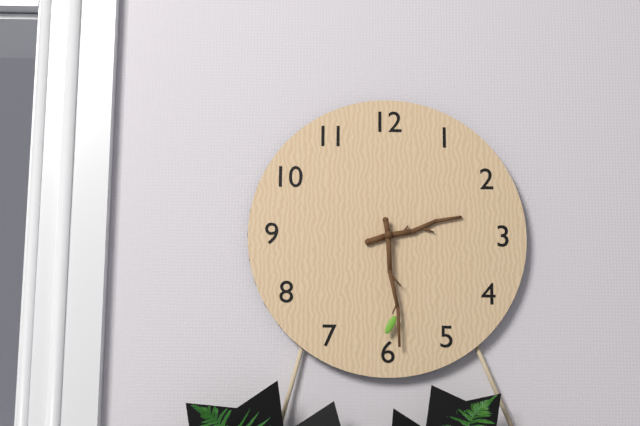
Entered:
2:29
